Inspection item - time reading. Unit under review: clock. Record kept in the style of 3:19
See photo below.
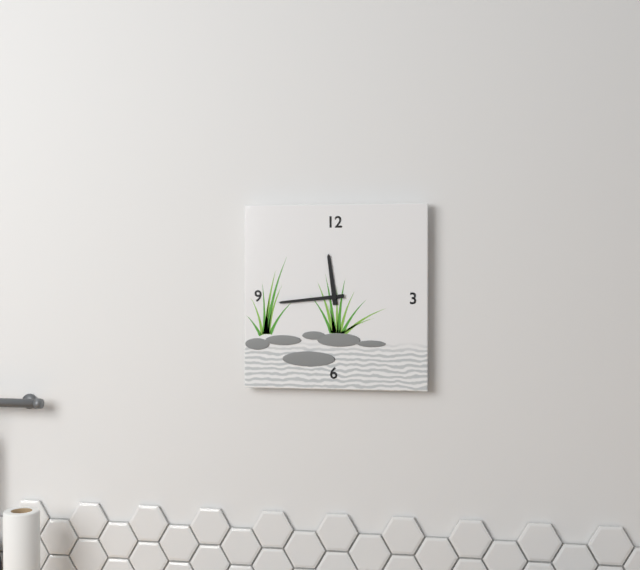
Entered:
11:44
